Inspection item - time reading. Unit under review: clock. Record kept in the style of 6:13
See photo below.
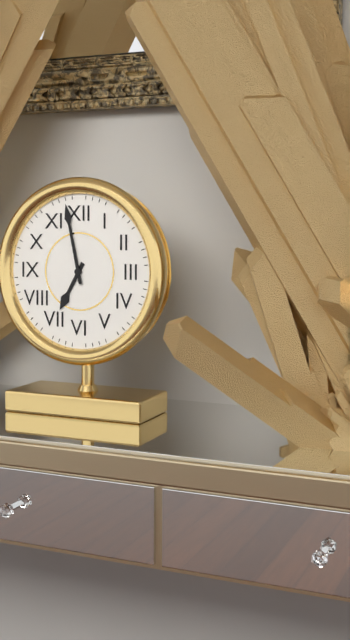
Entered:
6:58
